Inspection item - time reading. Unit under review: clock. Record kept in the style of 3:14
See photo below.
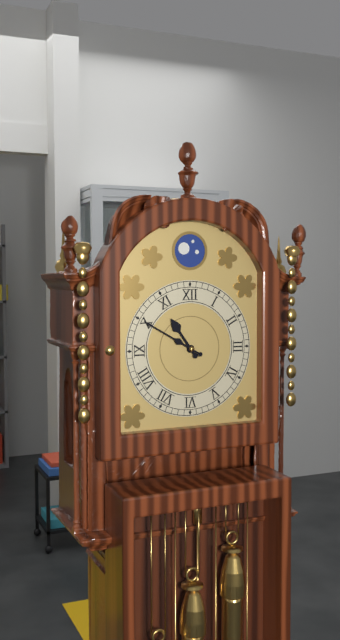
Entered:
10:50
